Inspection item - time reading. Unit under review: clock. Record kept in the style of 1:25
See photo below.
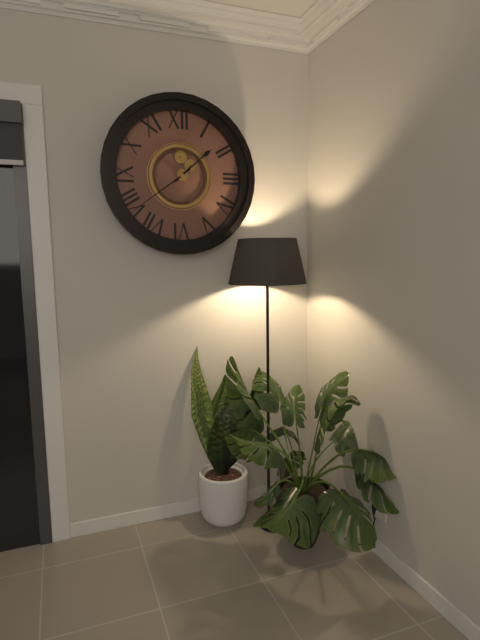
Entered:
1:39
